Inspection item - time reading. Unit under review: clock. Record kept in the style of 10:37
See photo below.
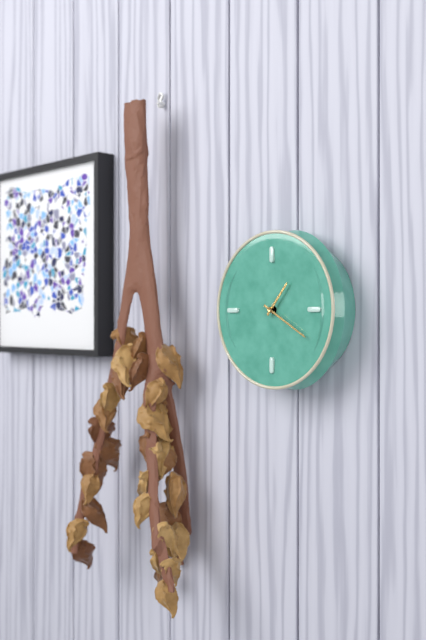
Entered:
1:20
